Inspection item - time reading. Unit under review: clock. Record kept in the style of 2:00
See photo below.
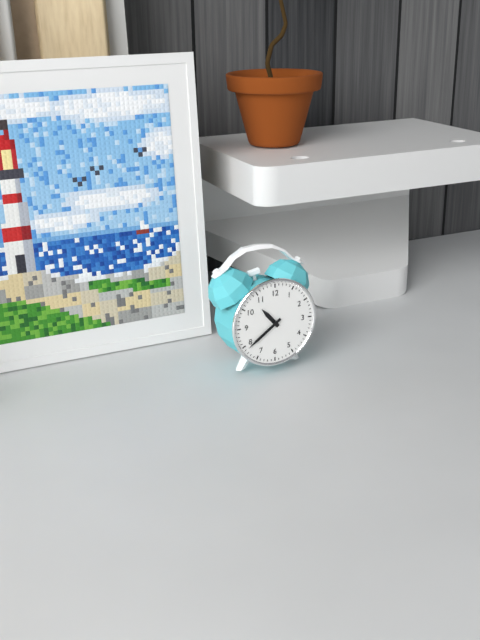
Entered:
10:39
